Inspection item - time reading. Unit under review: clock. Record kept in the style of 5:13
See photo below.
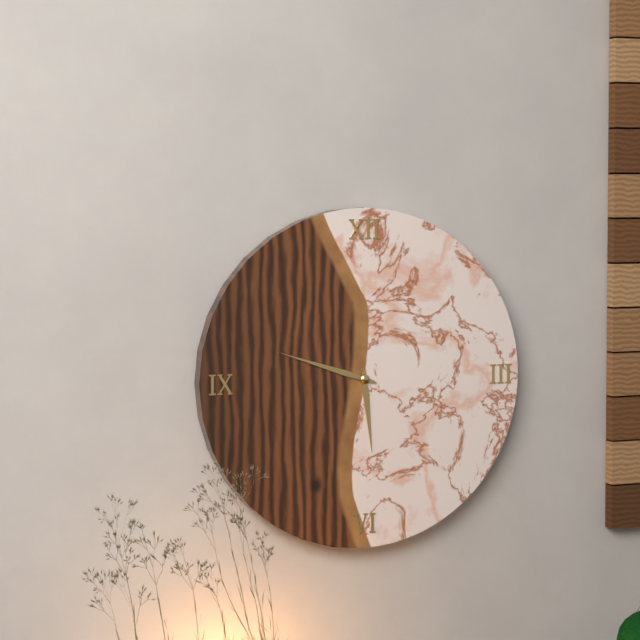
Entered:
5:48
